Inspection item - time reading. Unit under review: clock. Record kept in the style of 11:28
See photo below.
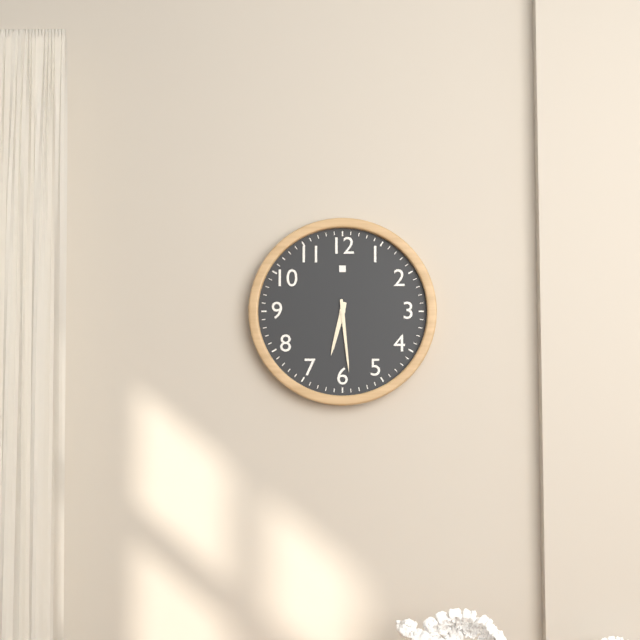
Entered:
6:29
